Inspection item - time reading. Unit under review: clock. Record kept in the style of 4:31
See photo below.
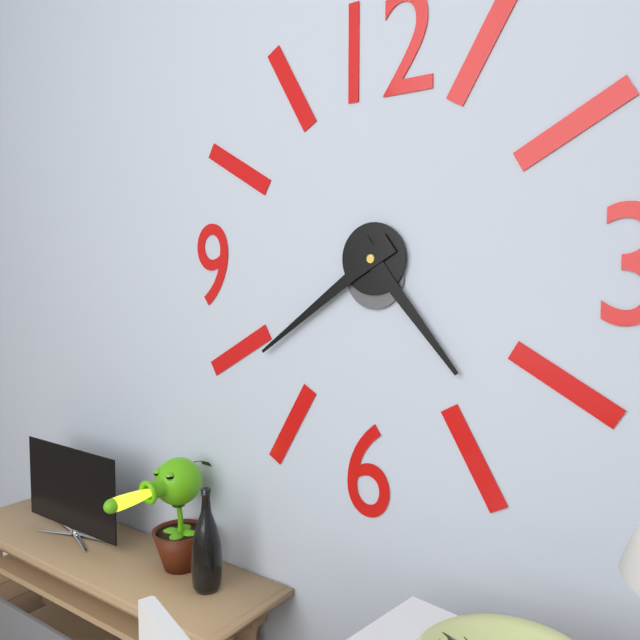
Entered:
4:39
